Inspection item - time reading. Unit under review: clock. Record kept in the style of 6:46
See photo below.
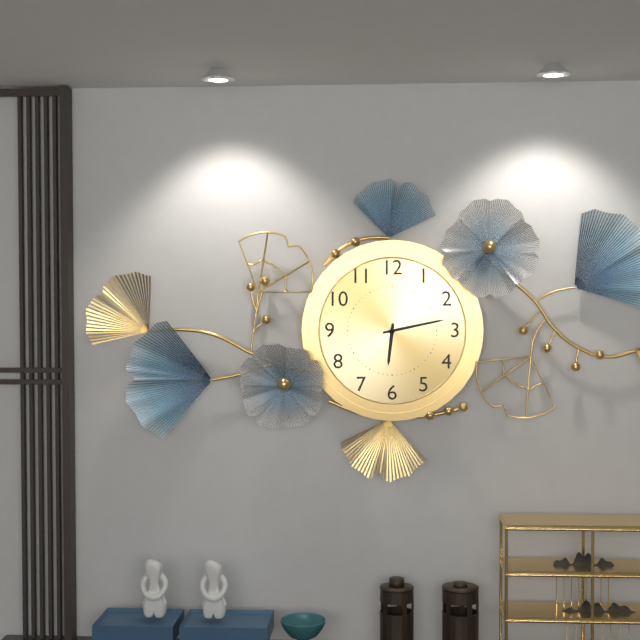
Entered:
6:13
